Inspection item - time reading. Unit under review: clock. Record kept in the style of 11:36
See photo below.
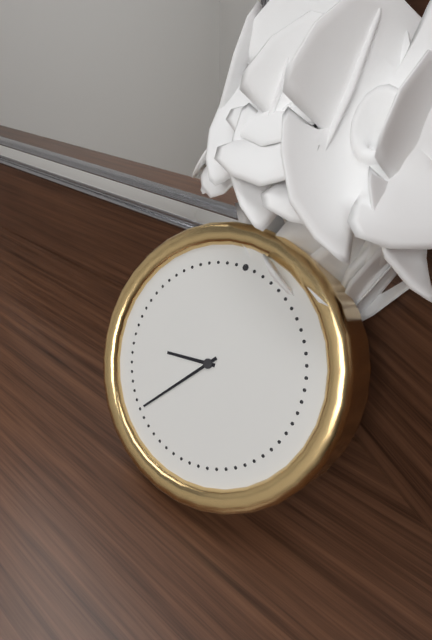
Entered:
8:36
